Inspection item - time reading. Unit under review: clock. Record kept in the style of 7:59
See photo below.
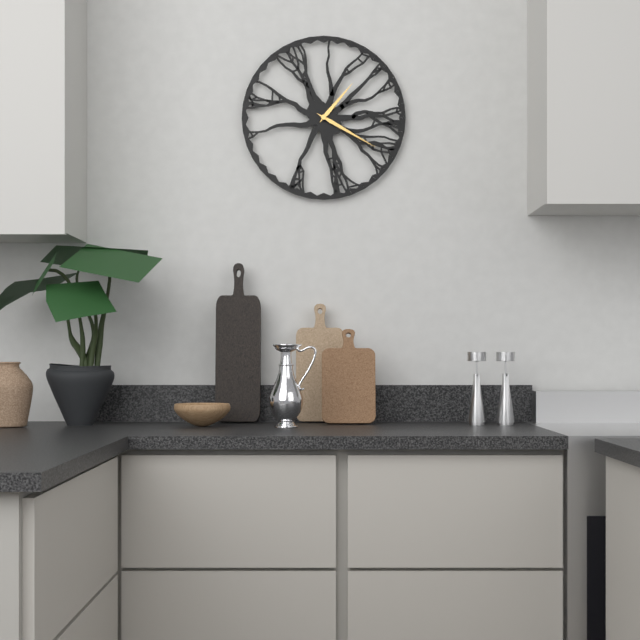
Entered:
1:20
